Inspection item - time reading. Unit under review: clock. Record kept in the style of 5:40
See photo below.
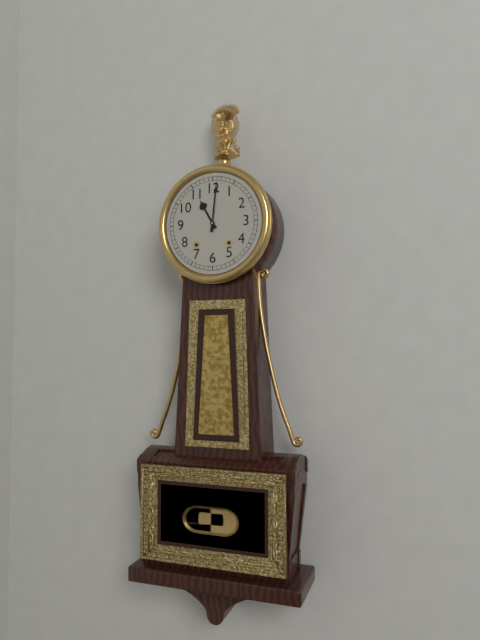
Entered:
11:01
